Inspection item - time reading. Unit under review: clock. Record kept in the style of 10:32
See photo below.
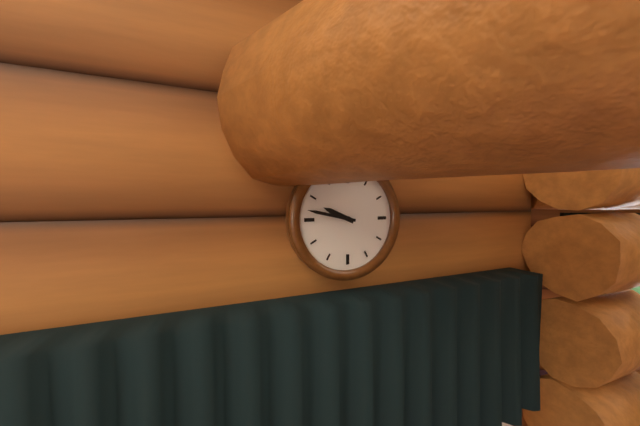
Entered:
9:47
